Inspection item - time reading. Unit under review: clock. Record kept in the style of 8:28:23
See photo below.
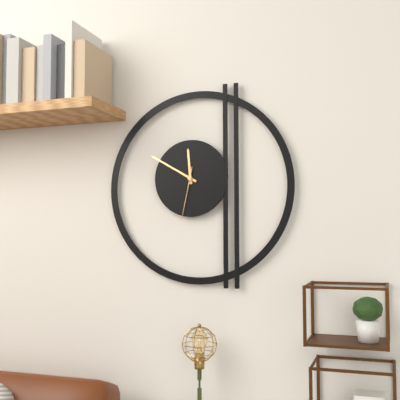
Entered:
11:50:32
